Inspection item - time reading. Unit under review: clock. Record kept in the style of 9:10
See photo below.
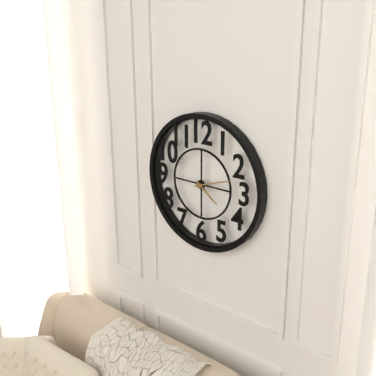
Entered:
4:12
